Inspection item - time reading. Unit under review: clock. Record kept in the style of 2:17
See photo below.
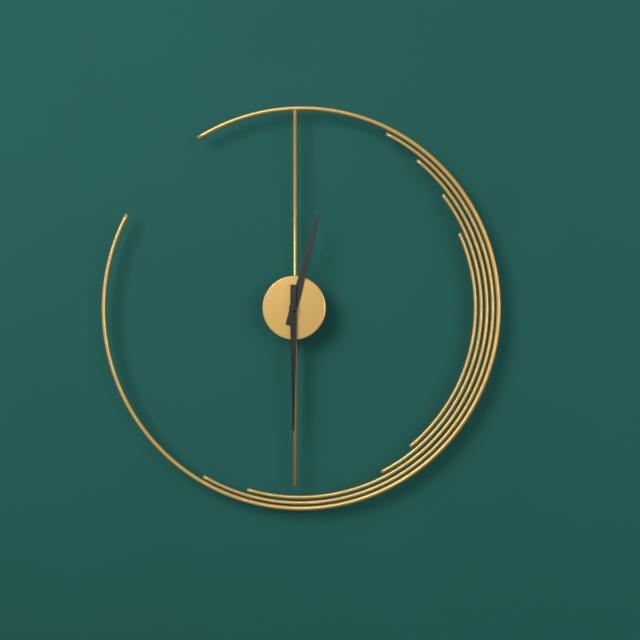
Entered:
12:30
